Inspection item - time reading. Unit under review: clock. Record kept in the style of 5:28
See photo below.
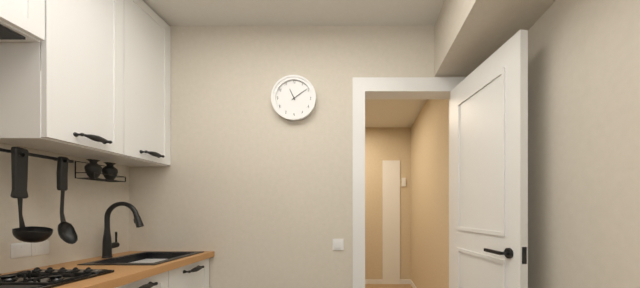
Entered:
11:09
